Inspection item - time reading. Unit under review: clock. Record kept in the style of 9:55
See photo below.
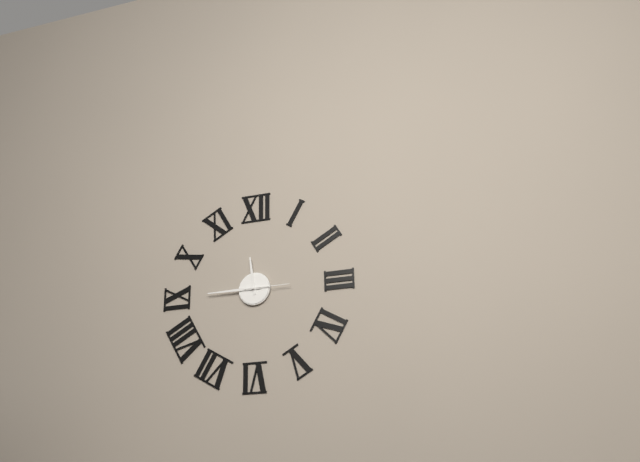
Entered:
11:45
